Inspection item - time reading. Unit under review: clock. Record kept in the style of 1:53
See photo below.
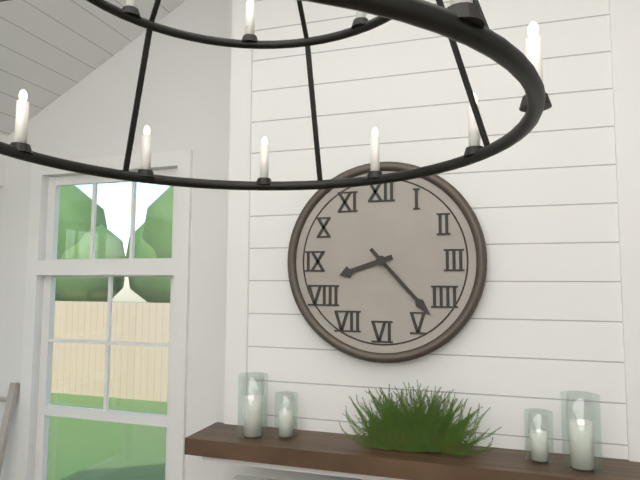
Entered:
8:23
